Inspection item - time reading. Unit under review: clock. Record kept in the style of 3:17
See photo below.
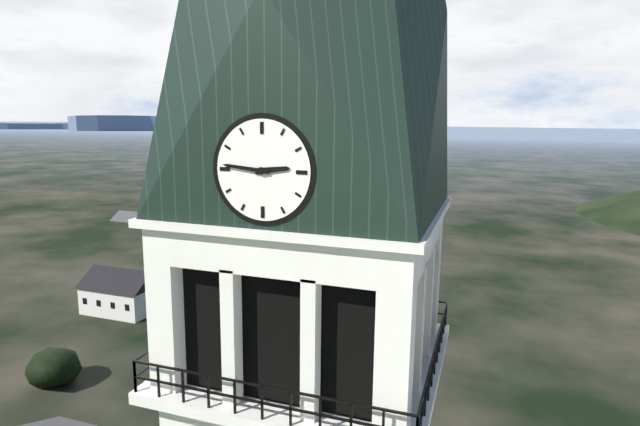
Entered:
2:46
